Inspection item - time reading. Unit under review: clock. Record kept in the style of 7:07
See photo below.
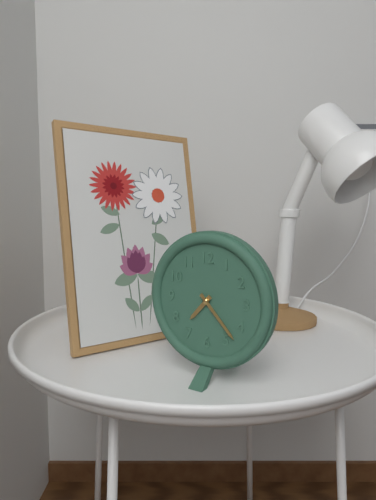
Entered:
7:23
